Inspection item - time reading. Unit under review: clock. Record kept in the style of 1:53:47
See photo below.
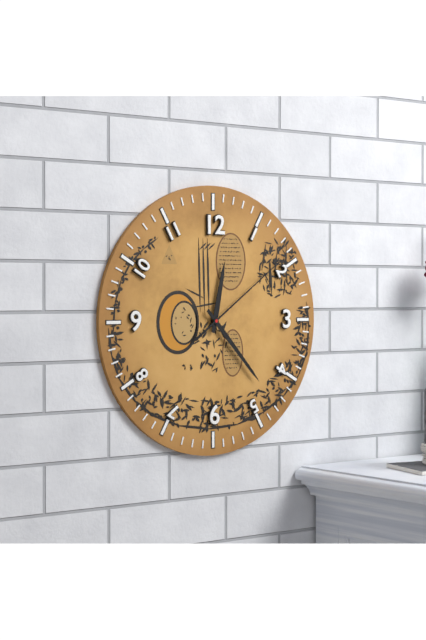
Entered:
12:23:09
